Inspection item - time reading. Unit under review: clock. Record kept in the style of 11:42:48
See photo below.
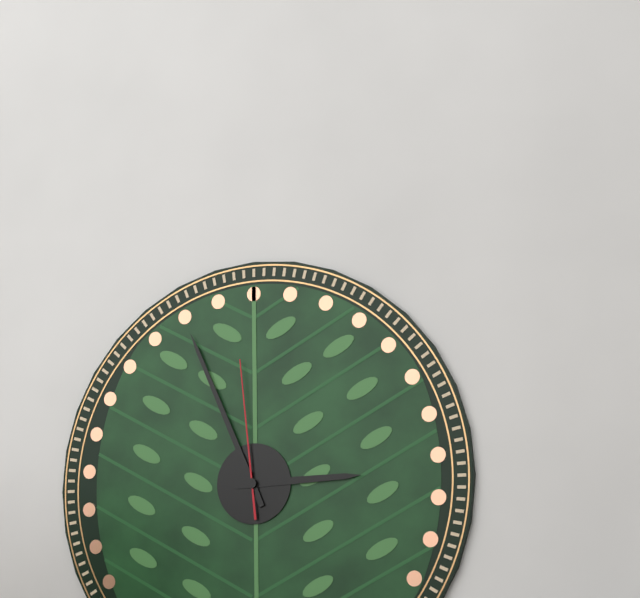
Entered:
2:56:59
